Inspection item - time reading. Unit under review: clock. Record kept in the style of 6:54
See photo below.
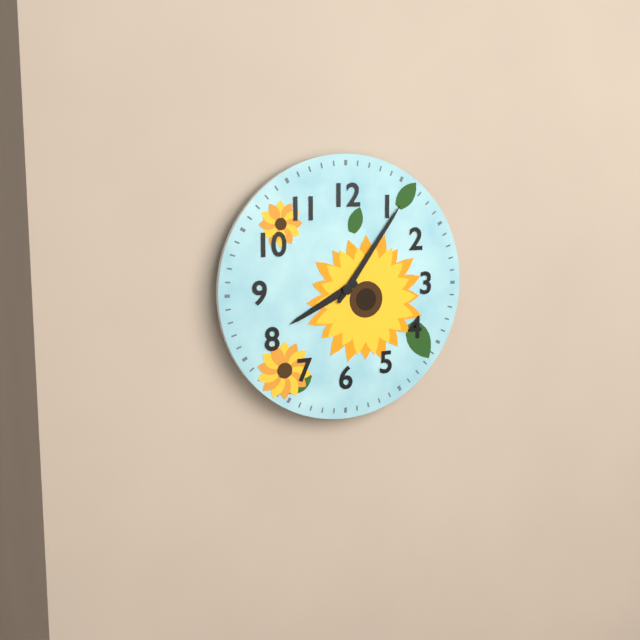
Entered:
8:06
